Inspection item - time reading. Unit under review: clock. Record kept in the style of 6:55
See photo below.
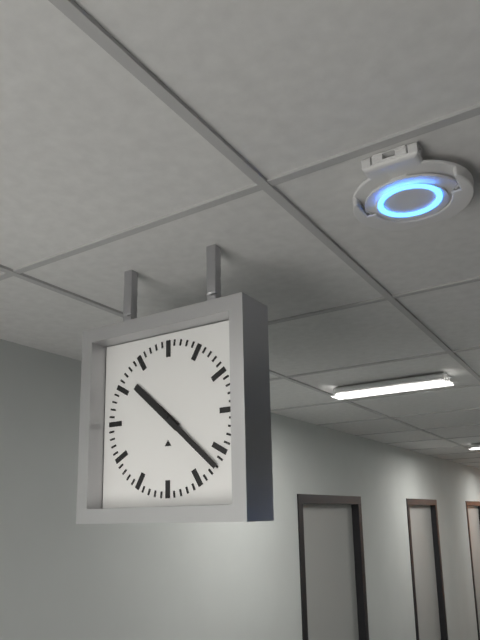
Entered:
10:22
